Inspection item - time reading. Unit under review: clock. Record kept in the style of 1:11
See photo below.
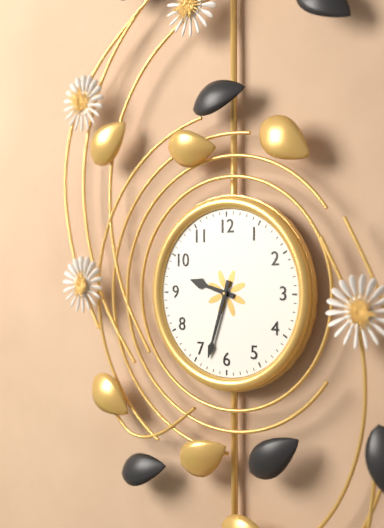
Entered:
9:33
